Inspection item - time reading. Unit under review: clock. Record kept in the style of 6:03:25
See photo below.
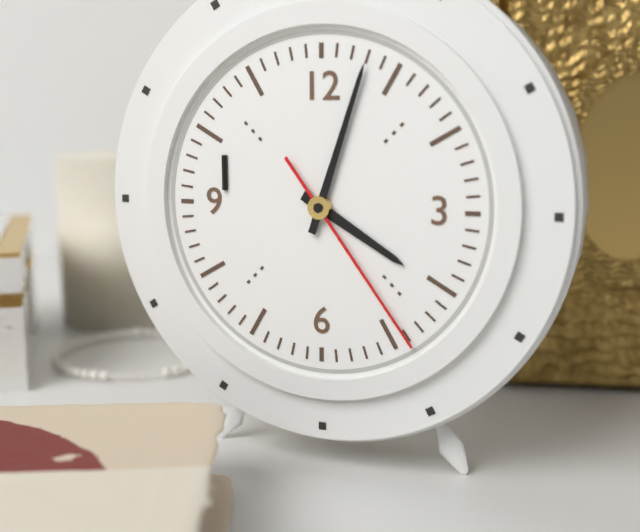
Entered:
4:03:24
